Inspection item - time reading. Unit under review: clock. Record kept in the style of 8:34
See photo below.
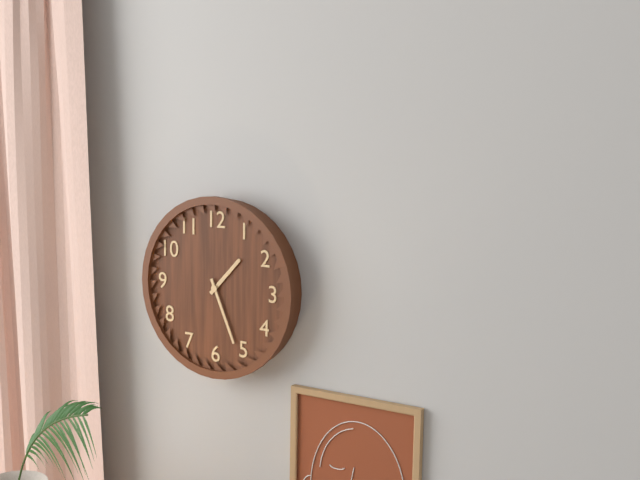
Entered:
1:26
